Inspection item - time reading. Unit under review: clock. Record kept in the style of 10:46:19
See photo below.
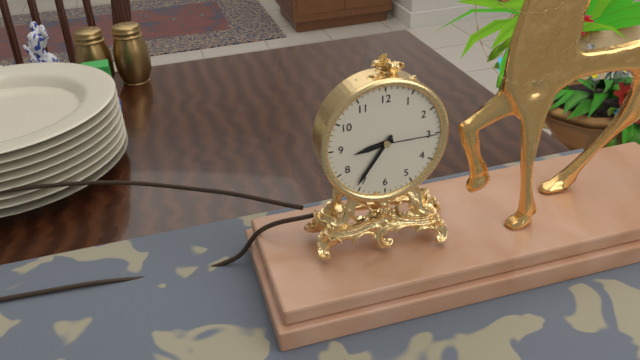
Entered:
8:36:15
